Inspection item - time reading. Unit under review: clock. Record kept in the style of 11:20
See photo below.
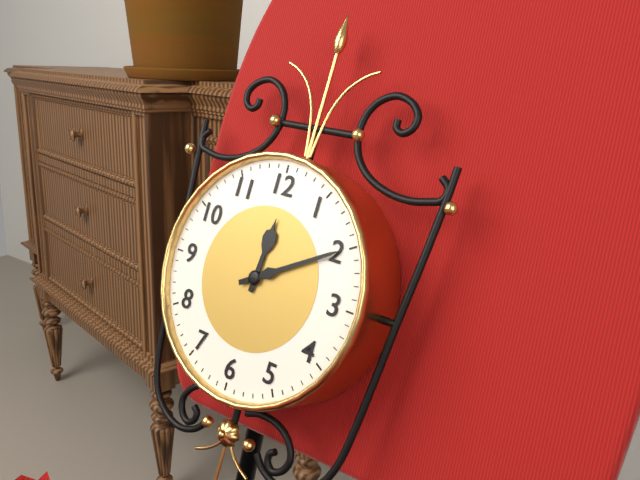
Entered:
12:10
